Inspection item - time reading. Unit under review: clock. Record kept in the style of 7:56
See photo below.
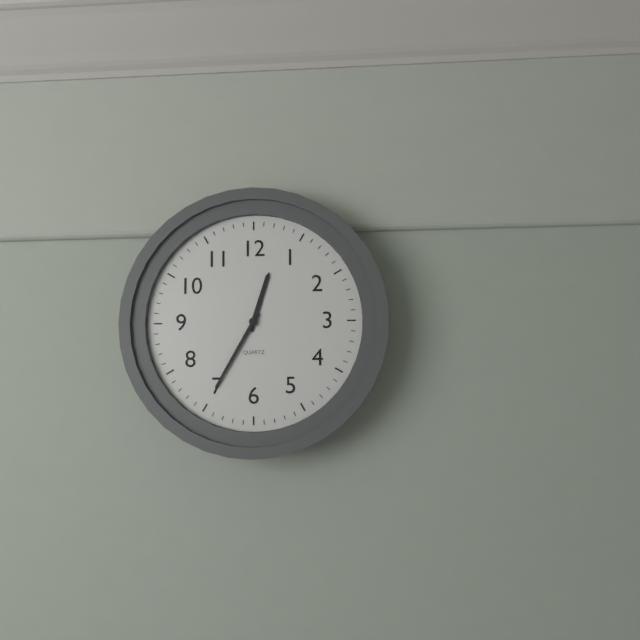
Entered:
12:35
